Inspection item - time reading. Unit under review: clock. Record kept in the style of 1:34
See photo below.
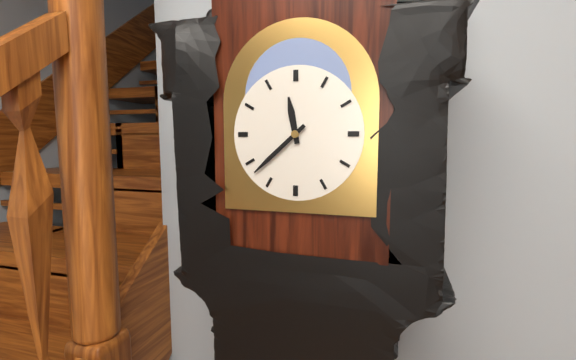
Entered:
11:38
